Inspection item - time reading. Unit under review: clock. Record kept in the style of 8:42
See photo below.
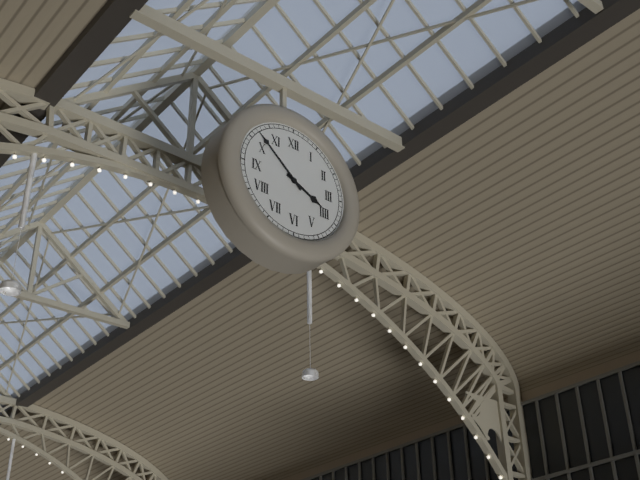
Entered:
3:52
